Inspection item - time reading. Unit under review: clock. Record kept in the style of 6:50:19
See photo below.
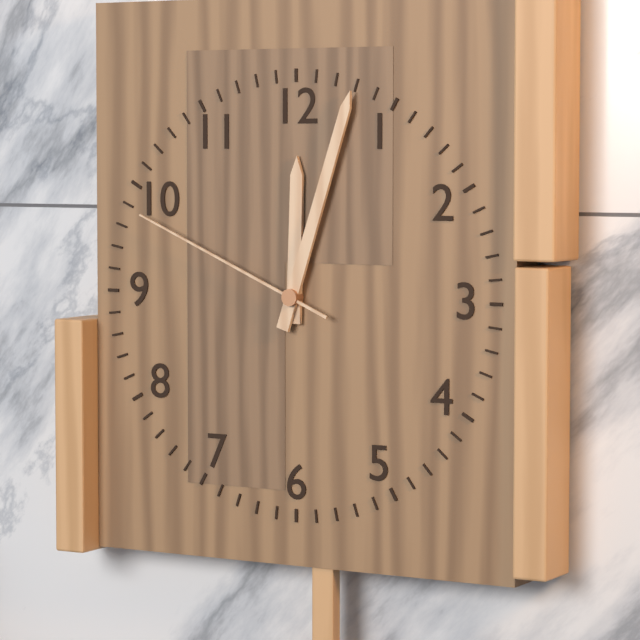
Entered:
12:03:49
